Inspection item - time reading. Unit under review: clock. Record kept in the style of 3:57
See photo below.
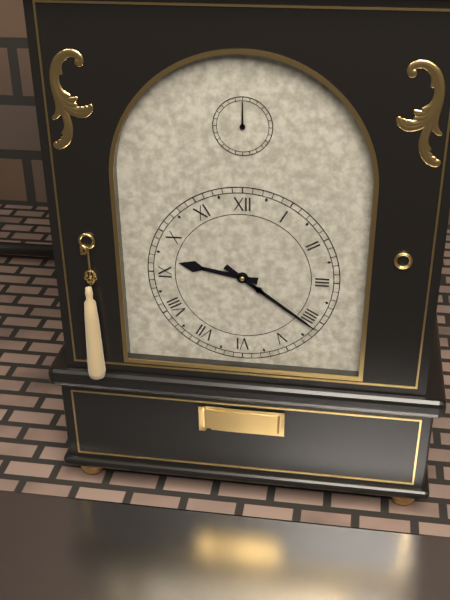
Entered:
9:21
